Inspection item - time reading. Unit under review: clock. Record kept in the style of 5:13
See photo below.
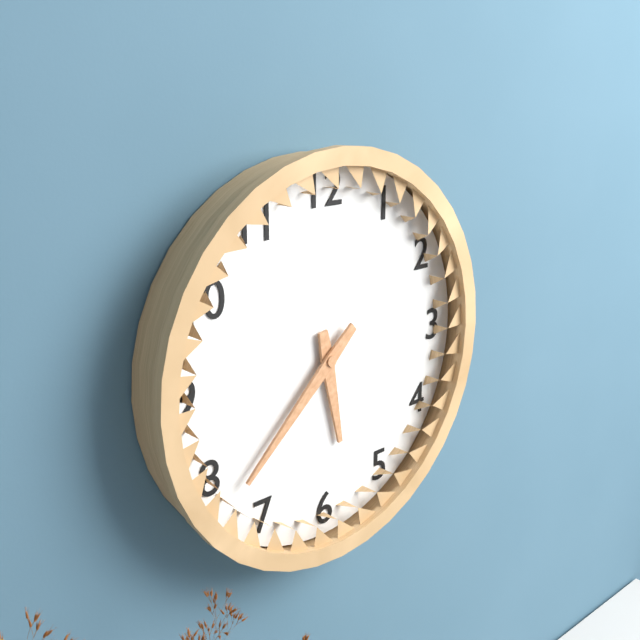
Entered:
5:38
